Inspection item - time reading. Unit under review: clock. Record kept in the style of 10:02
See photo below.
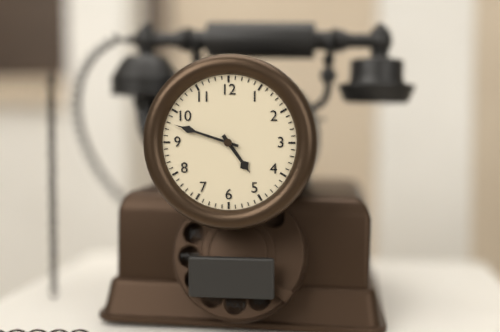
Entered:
4:48
